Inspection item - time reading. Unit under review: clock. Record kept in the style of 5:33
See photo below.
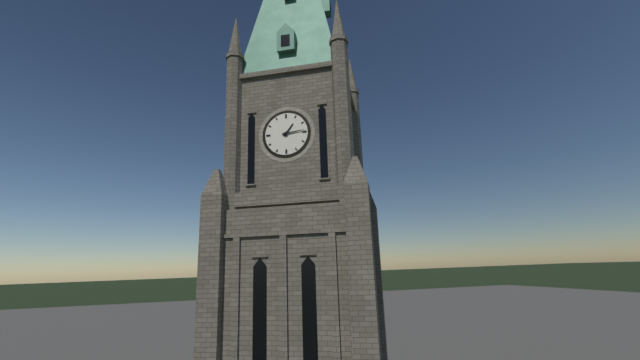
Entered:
1:14
